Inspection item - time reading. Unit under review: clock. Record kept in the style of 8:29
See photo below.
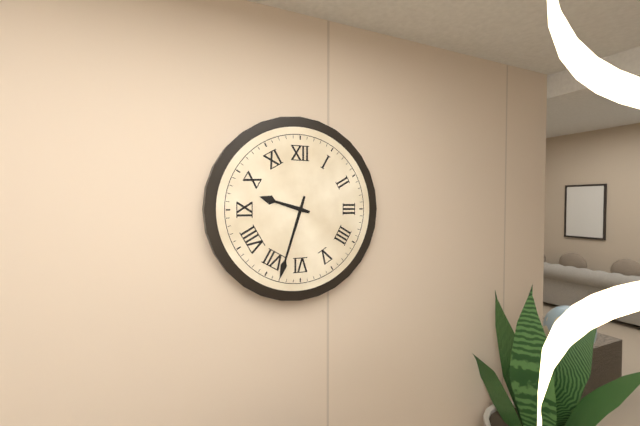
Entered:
9:33
